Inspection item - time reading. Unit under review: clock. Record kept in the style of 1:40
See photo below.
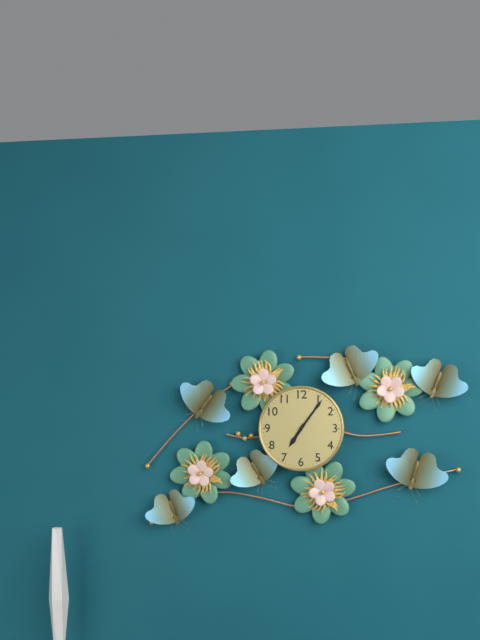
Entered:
7:06
